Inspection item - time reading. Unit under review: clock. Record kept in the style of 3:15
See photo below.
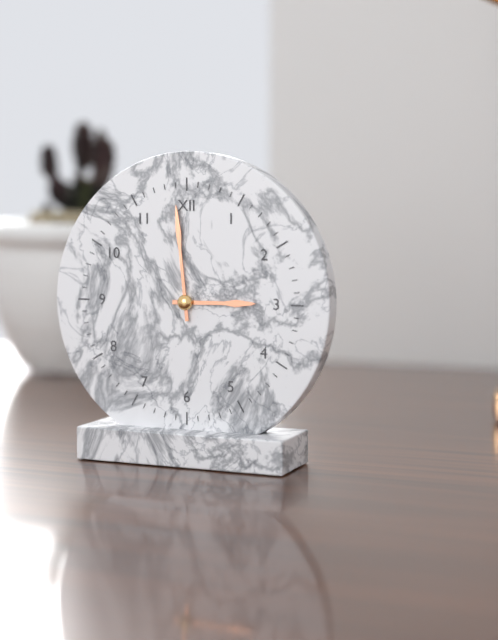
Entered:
2:59
